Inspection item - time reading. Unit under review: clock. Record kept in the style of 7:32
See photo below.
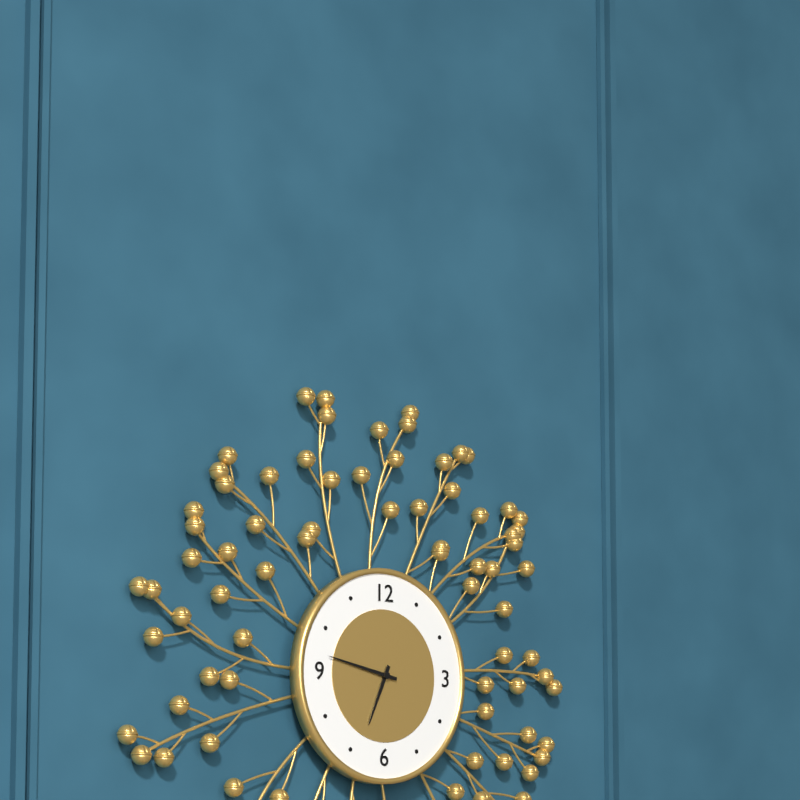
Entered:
6:47
